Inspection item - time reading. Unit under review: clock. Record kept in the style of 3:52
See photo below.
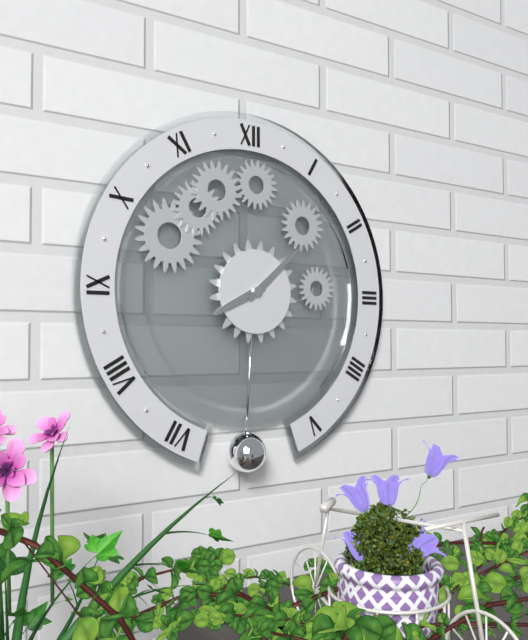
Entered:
8:08
